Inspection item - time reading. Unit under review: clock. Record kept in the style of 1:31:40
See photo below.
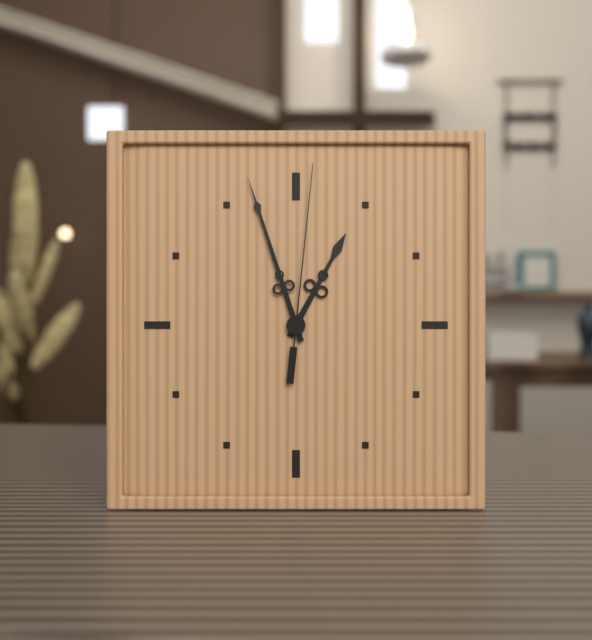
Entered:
12:57:01
